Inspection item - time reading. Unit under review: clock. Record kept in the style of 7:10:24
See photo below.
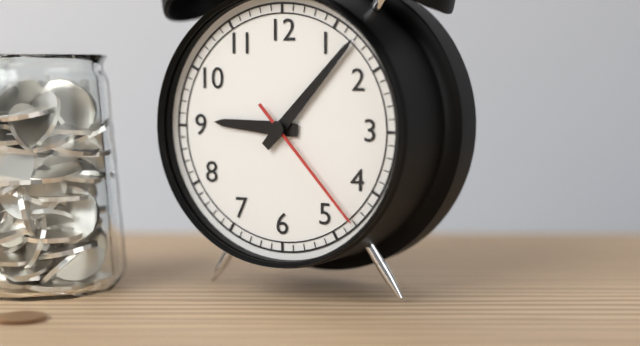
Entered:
9:07:23
